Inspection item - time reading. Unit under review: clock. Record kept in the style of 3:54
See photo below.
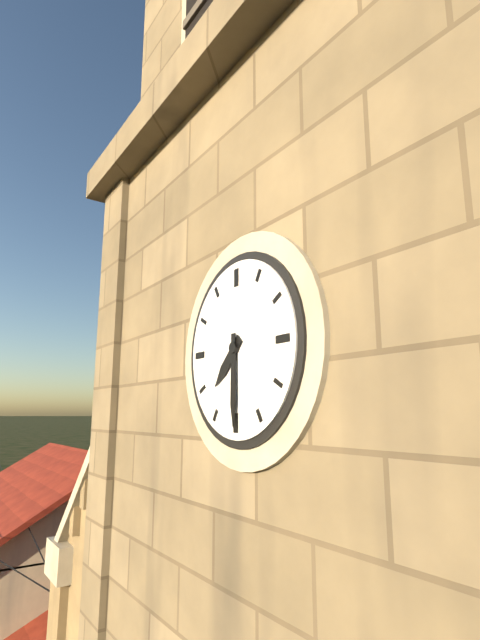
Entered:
7:30
